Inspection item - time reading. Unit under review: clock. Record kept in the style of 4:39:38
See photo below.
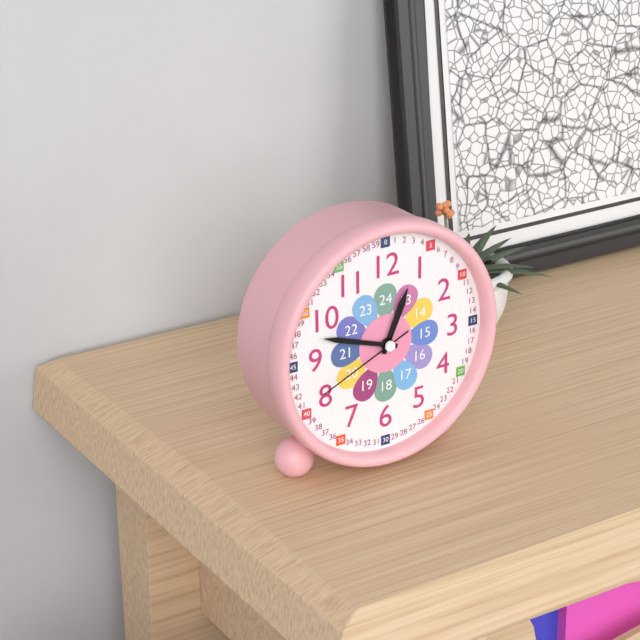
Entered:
12:48:41
